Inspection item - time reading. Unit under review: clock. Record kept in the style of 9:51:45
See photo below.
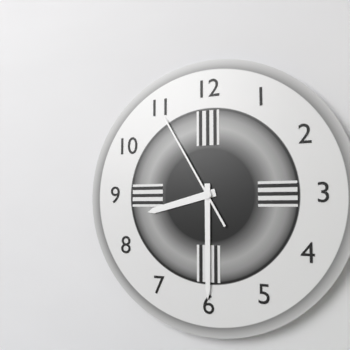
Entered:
8:30:55
